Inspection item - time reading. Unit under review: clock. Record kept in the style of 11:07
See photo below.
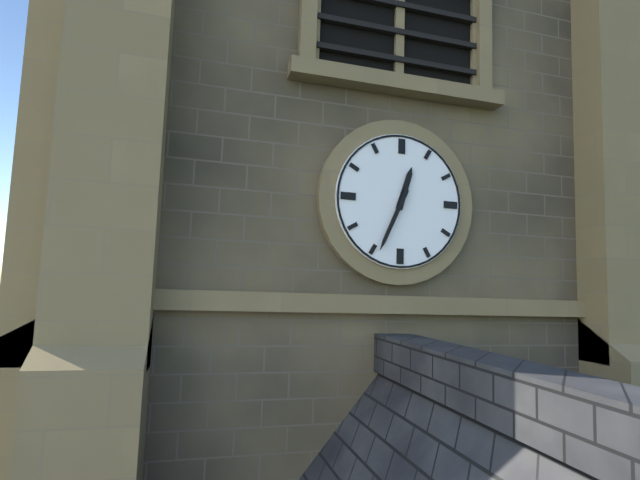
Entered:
12:34
